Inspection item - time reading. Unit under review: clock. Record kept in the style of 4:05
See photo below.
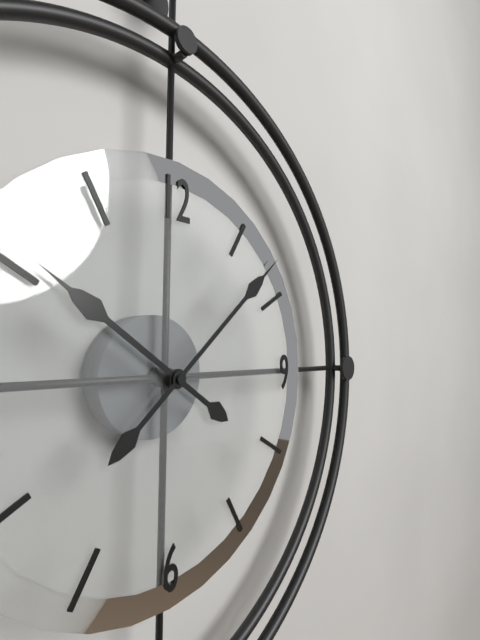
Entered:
10:08
